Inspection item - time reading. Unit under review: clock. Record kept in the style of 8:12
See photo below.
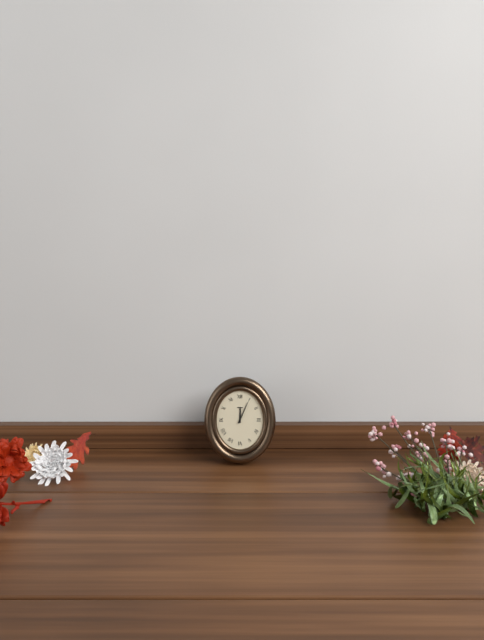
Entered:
12:04
